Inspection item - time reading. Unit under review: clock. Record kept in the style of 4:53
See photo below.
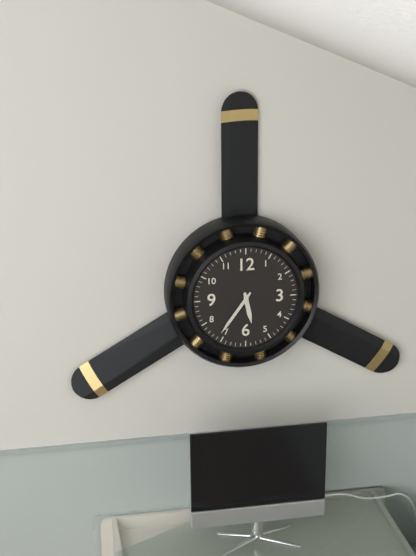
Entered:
5:36
